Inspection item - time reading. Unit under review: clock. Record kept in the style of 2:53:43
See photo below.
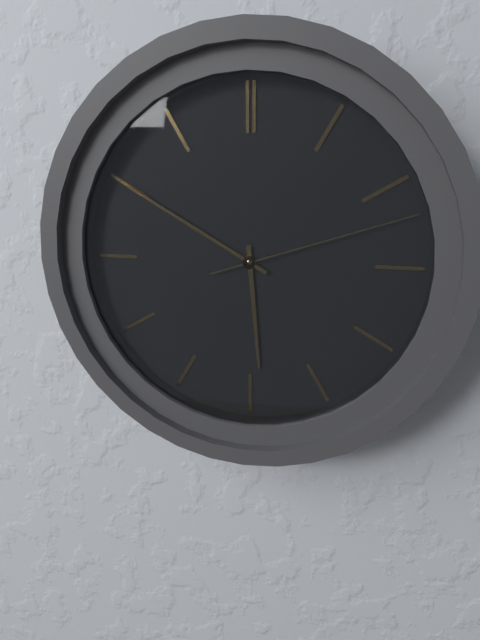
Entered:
5:50:12
